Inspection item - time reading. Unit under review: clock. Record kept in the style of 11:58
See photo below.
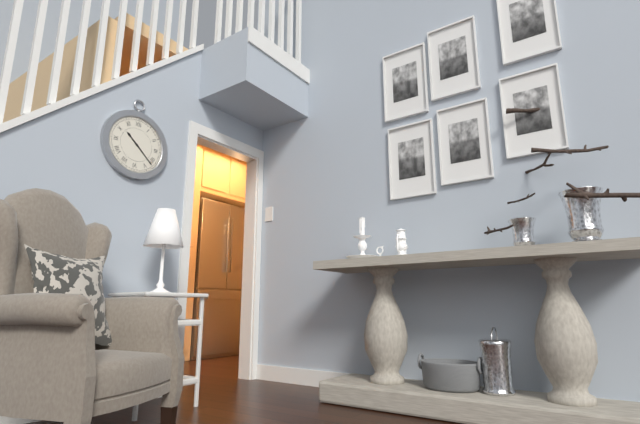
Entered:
10:22
